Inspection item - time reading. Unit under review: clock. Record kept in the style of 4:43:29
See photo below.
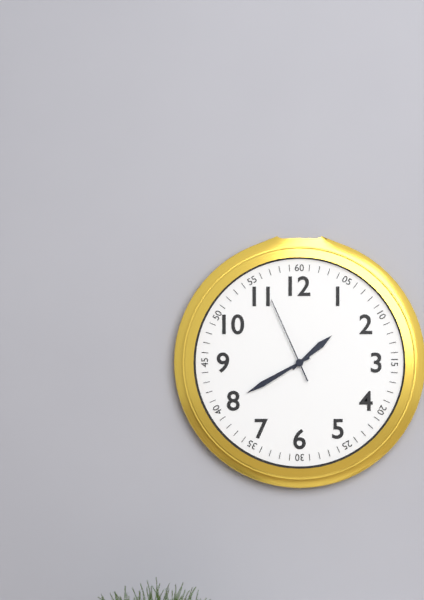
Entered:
1:40:56
